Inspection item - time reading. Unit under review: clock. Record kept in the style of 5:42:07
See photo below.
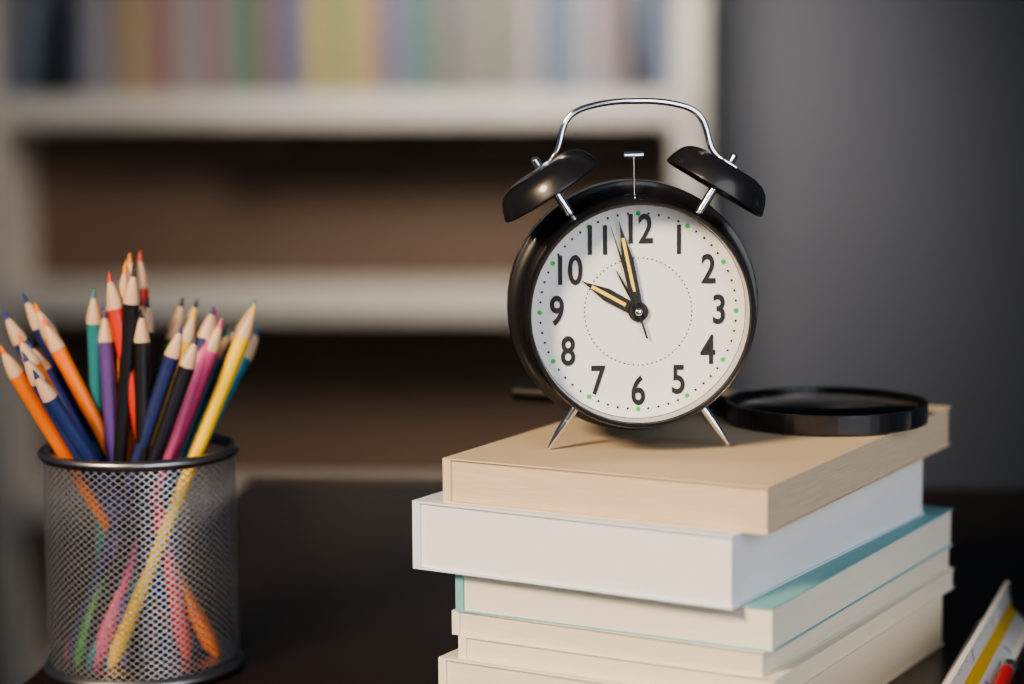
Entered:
9:58:57
